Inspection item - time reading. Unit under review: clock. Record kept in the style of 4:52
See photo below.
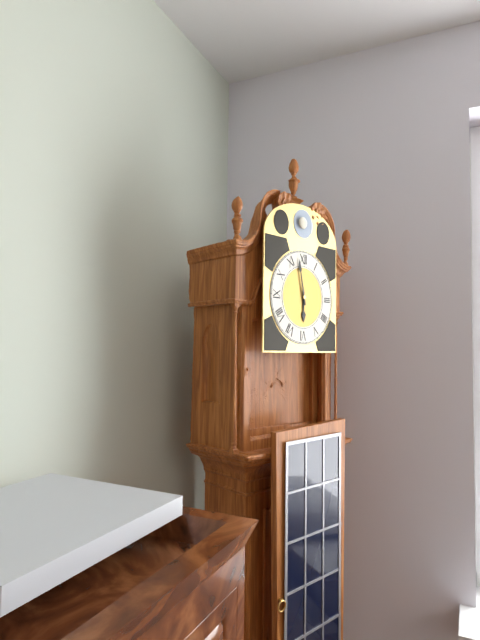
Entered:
5:58
